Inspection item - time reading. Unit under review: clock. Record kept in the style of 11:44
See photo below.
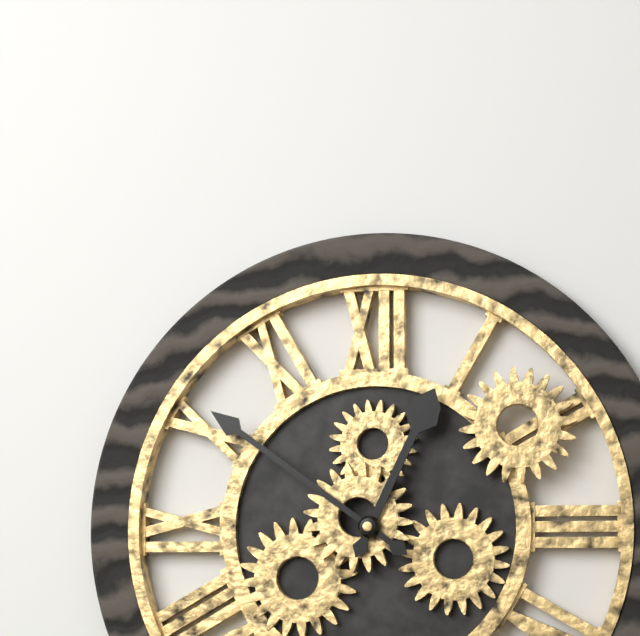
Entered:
12:51
